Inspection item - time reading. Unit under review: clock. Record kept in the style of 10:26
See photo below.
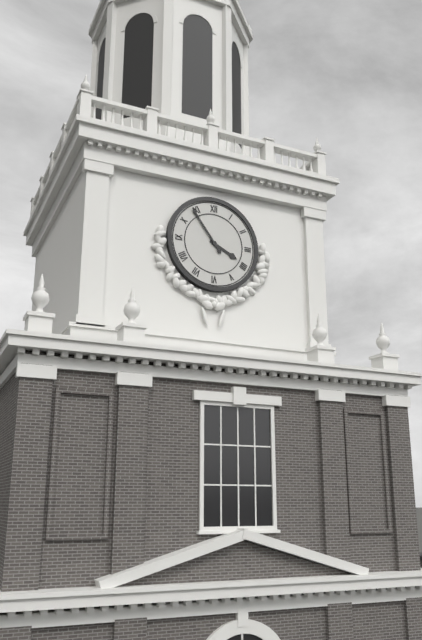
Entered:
3:54
